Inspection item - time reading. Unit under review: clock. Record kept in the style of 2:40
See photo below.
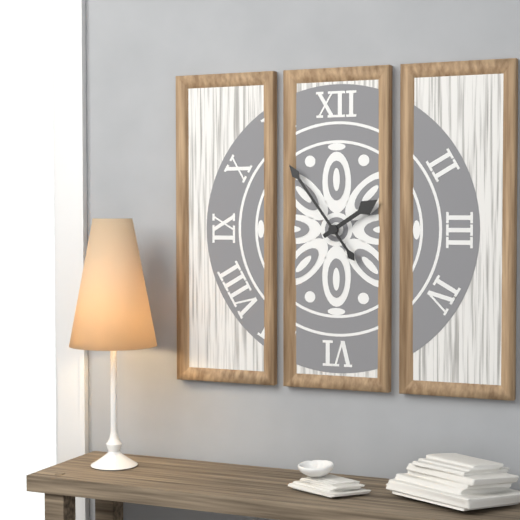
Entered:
1:54
